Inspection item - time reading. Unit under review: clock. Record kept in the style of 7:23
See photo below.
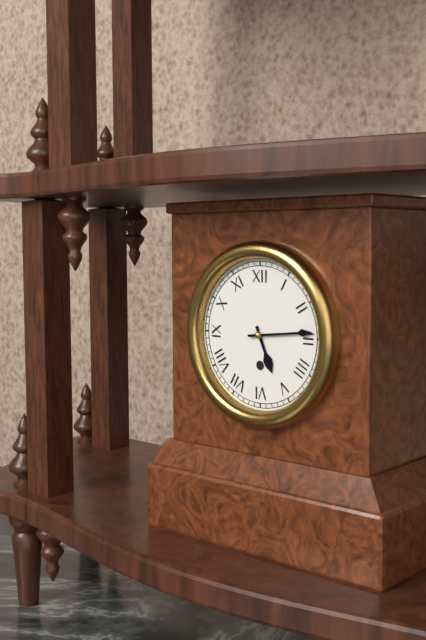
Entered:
5:14
